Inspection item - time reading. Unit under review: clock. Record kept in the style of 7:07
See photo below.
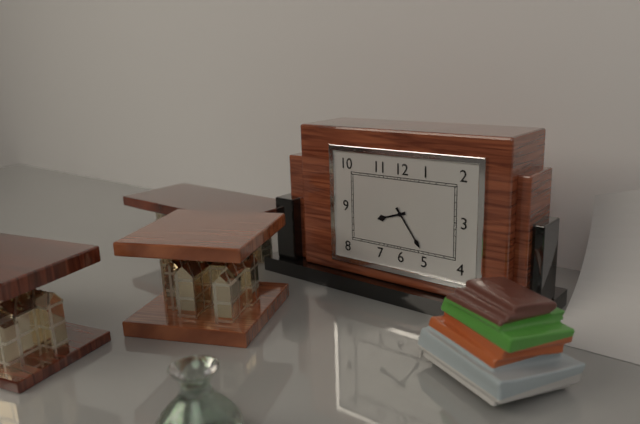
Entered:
8:24
